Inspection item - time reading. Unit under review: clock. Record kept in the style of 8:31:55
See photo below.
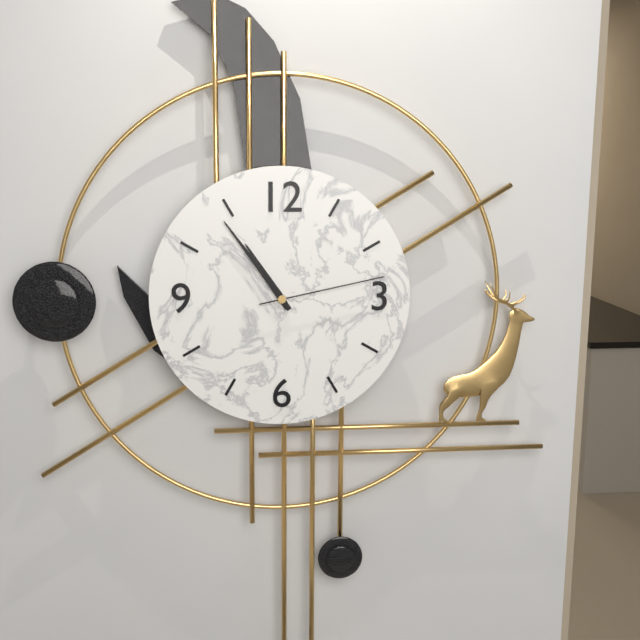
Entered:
10:54:13
